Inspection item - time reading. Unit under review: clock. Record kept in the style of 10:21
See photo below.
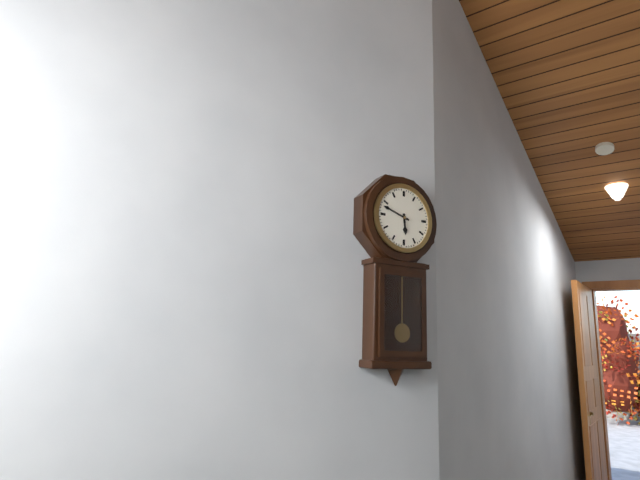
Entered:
5:48
